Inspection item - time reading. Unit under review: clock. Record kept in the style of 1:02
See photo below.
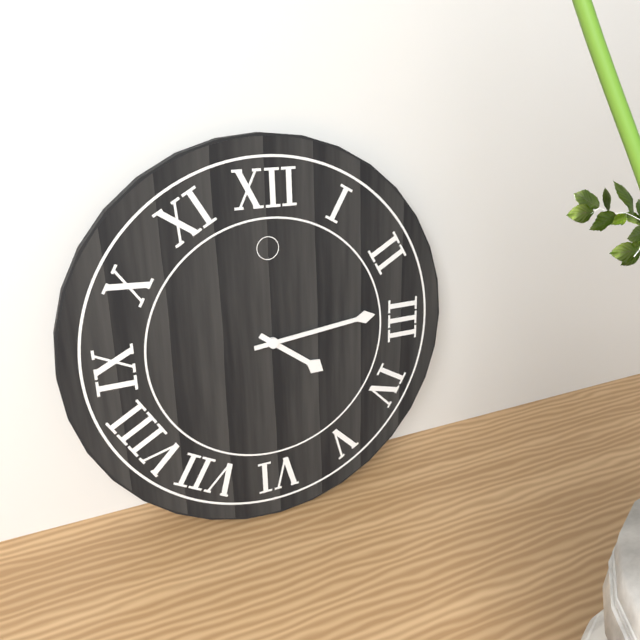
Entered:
4:14
